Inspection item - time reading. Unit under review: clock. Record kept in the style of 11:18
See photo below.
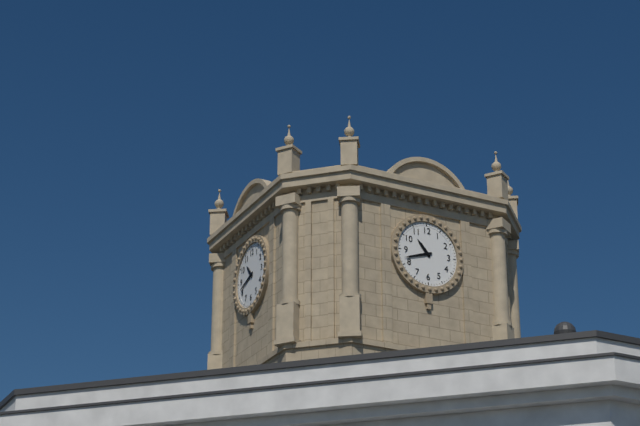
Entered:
10:42
